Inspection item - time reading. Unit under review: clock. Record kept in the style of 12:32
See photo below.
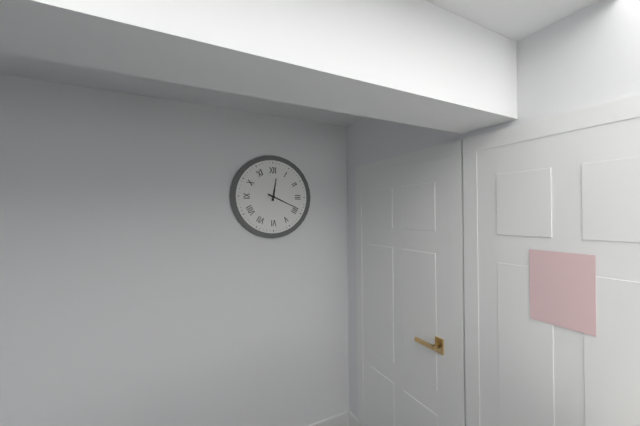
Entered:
12:19
